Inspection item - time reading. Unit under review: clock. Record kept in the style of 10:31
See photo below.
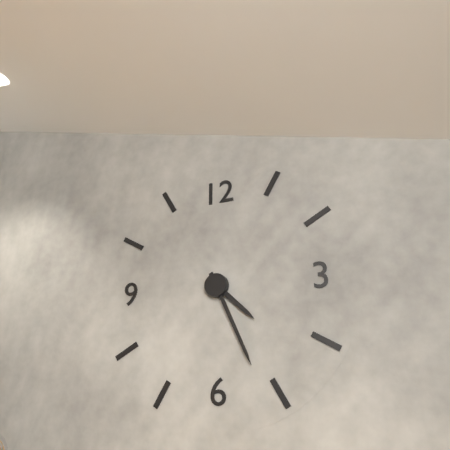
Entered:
4:26
